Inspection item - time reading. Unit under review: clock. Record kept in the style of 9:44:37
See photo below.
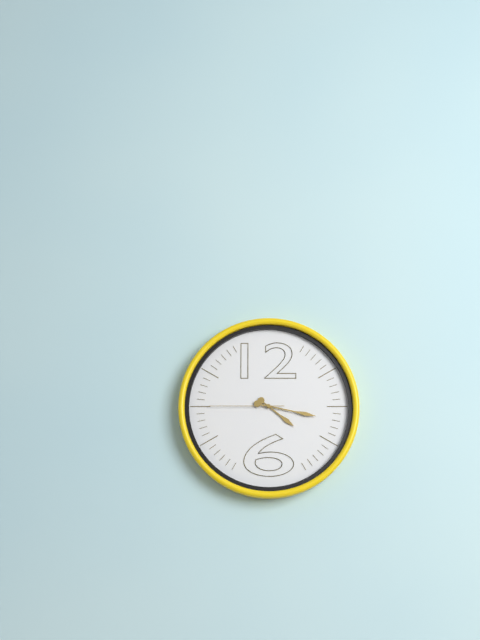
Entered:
4:17:45
